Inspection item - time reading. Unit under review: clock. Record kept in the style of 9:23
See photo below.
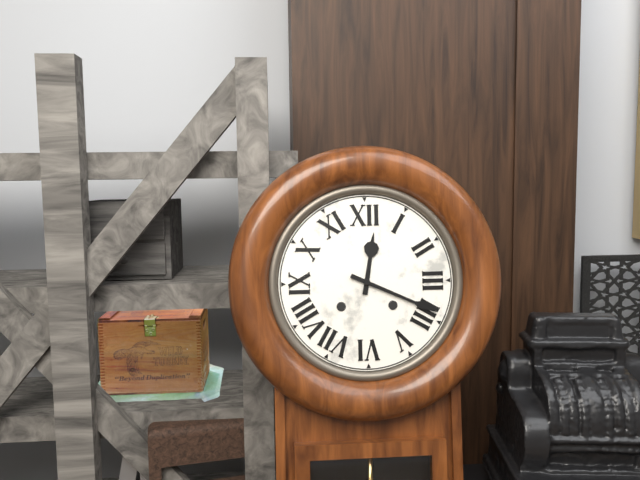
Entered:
12:19
